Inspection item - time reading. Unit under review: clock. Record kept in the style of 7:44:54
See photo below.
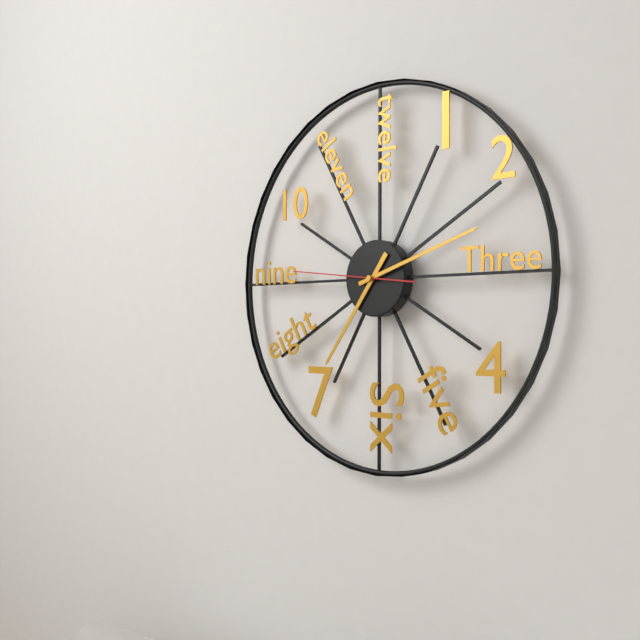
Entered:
7:12:46
